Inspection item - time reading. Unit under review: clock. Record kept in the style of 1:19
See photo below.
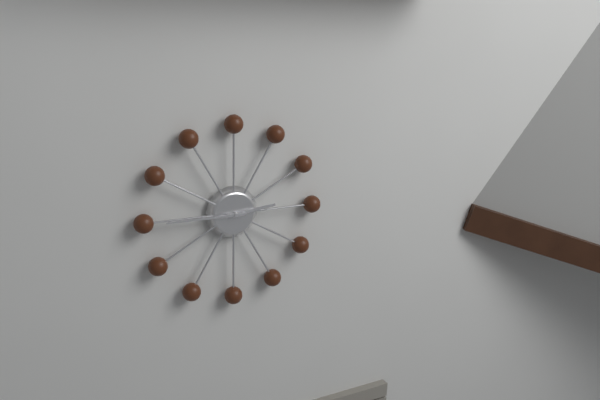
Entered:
2:45
